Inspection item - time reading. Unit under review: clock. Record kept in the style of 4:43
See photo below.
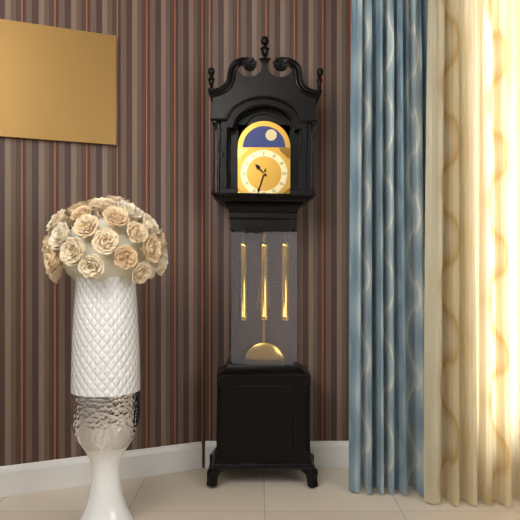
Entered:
10:33
